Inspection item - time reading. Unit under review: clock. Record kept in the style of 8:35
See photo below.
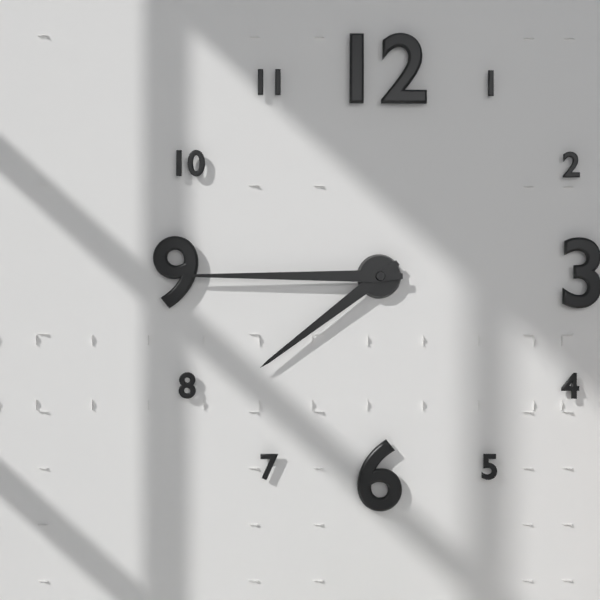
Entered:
7:45
